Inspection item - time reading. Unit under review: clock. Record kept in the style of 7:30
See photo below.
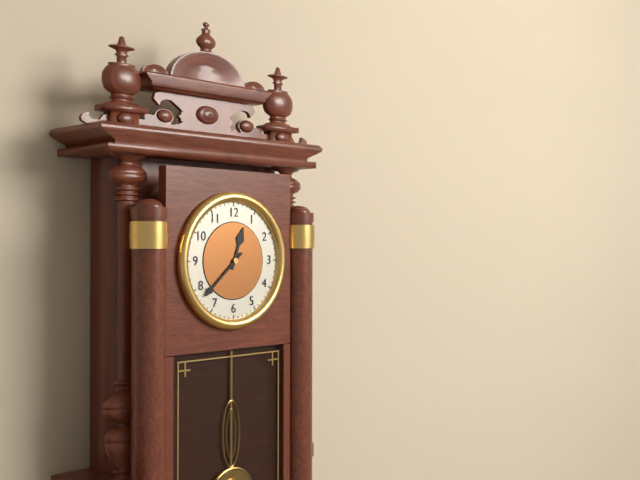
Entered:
12:38
